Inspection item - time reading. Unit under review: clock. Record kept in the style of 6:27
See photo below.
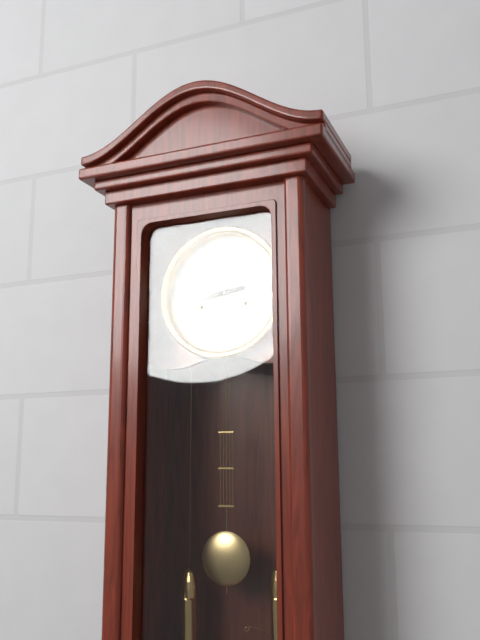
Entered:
2:43
